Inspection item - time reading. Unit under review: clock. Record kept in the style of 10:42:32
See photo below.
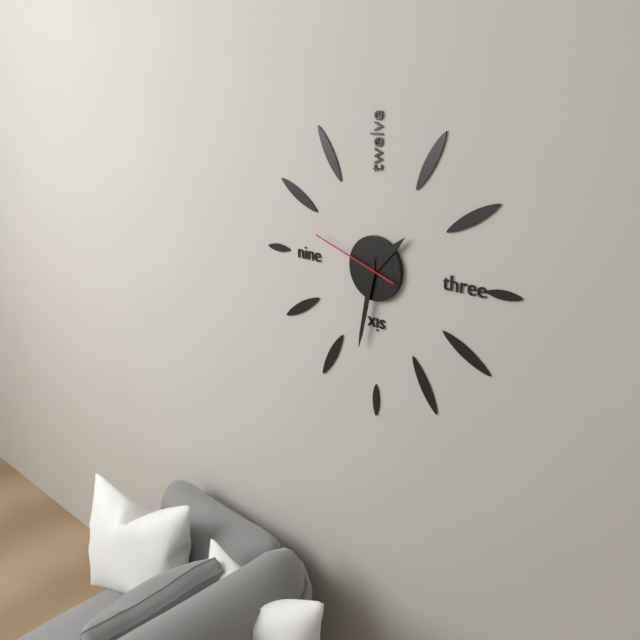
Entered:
1:32:48
